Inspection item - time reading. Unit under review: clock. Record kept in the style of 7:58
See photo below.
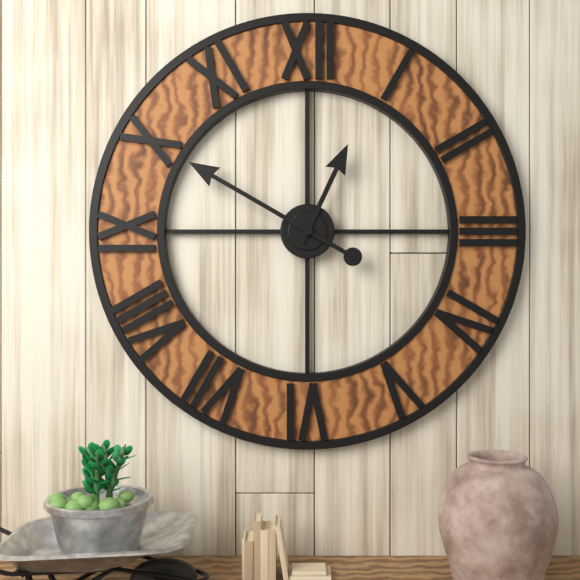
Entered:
12:50
